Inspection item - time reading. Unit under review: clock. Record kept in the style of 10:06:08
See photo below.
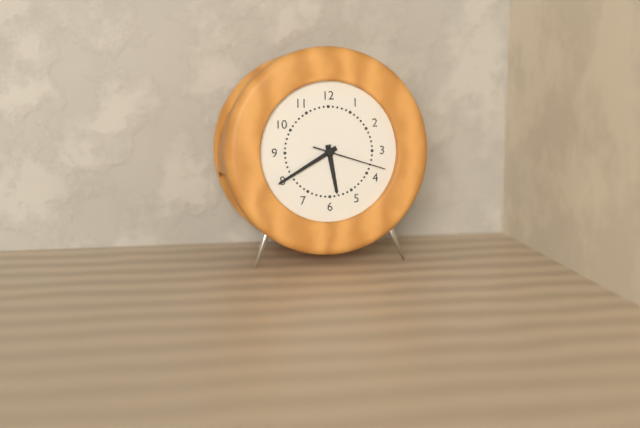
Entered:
5:40:18
